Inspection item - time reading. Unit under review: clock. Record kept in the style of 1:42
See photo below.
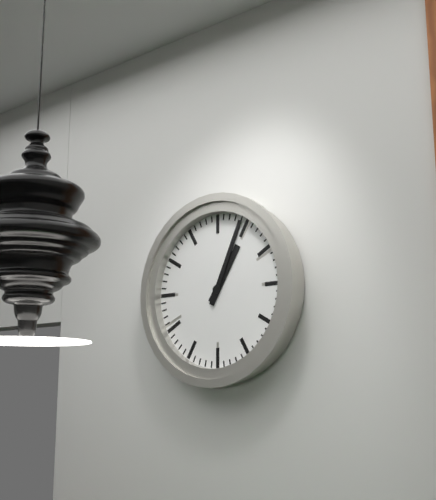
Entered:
1:04
